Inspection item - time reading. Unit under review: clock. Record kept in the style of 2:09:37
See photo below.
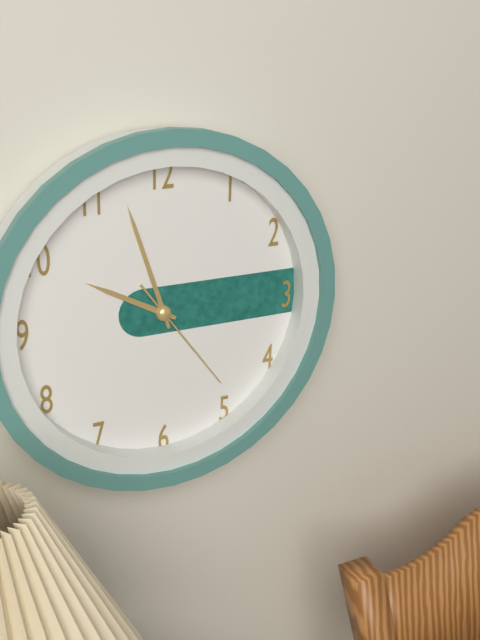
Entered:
9:57:24
